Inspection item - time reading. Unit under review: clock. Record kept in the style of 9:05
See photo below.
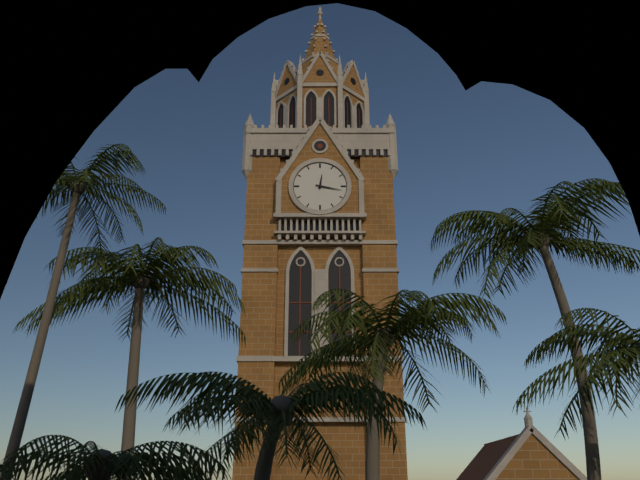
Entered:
12:17
